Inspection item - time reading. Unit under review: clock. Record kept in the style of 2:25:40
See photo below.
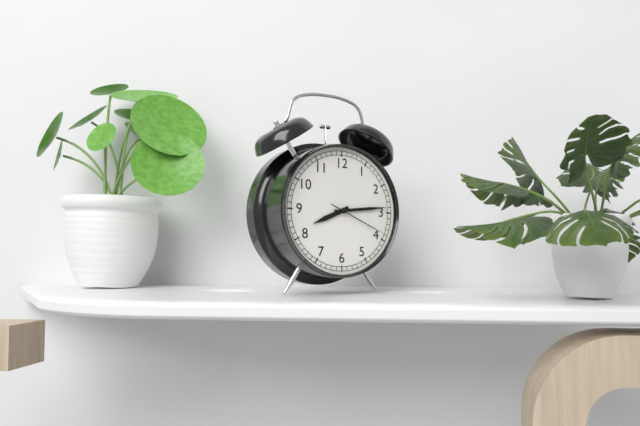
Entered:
8:14:19
